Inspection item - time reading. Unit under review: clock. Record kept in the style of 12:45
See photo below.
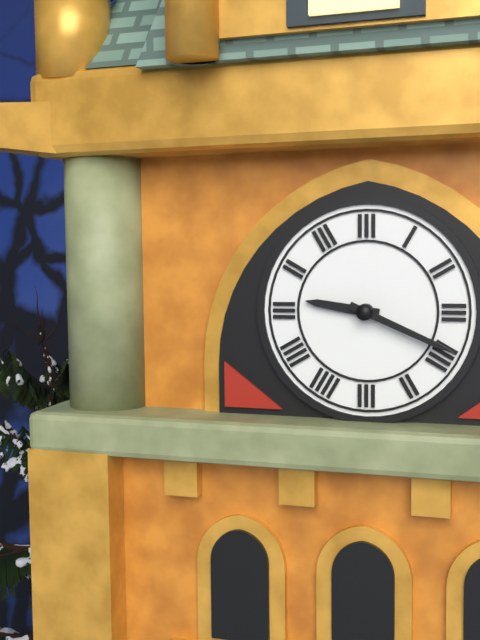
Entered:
9:19
